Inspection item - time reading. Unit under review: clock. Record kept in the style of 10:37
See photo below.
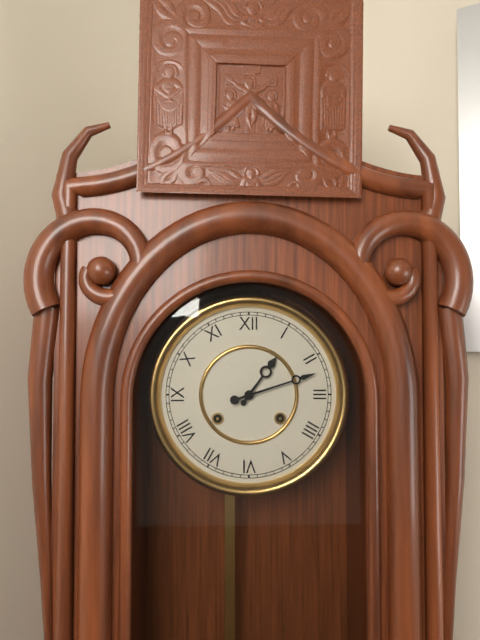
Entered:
1:12
